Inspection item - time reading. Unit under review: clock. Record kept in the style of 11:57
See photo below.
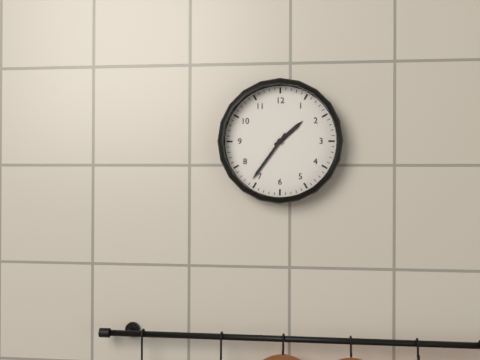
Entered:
1:36
